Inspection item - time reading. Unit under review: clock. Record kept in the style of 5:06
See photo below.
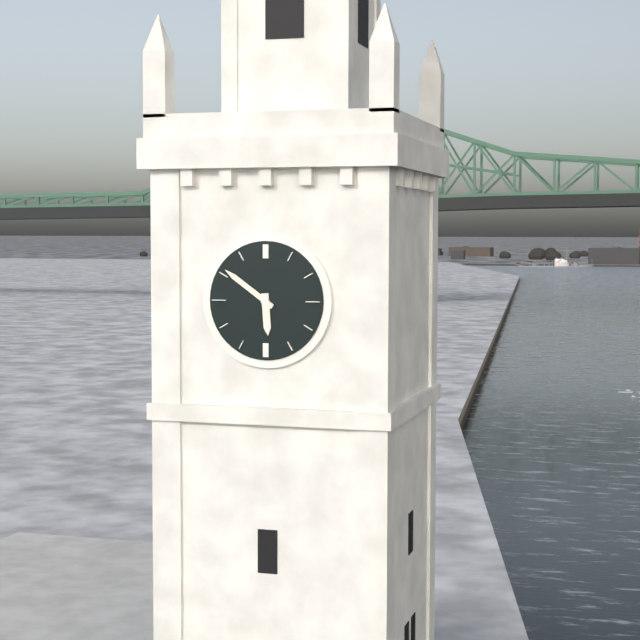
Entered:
5:51
